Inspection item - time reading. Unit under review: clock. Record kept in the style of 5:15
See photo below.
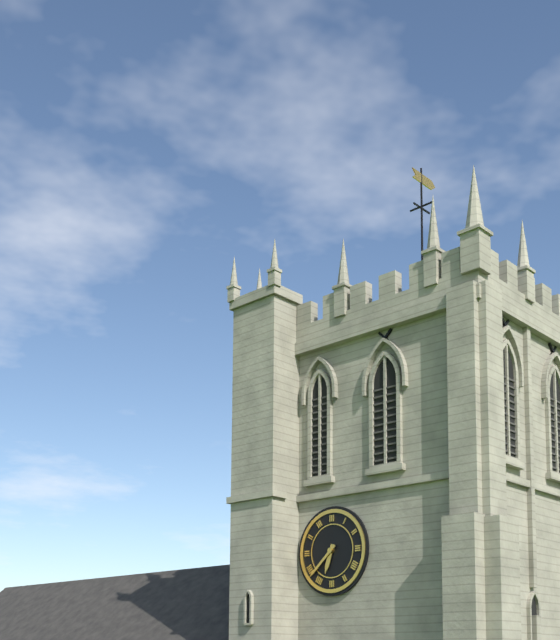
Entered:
6:38
